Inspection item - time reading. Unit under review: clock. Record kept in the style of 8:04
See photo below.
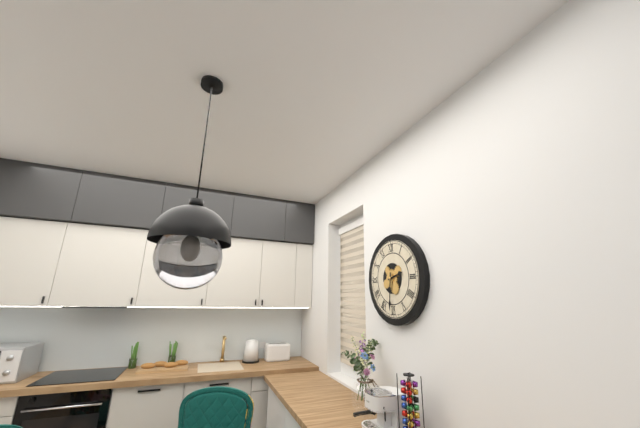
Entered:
2:31
